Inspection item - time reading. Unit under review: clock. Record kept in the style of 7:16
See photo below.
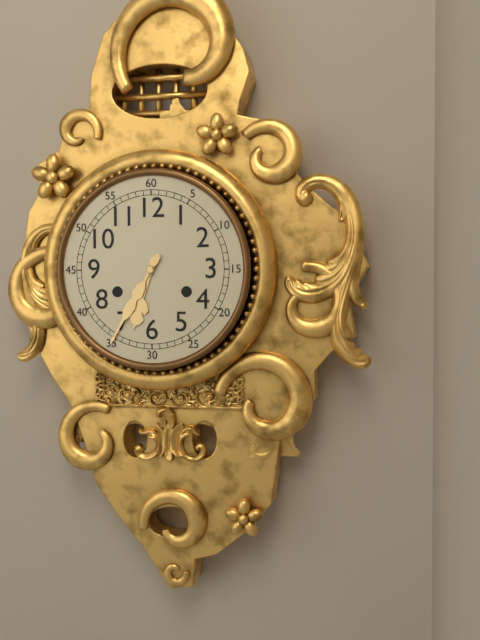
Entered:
6:35
